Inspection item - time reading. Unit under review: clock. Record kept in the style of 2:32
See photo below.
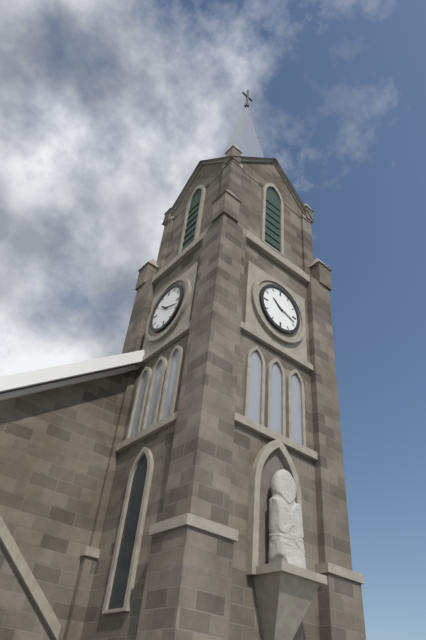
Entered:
10:18
